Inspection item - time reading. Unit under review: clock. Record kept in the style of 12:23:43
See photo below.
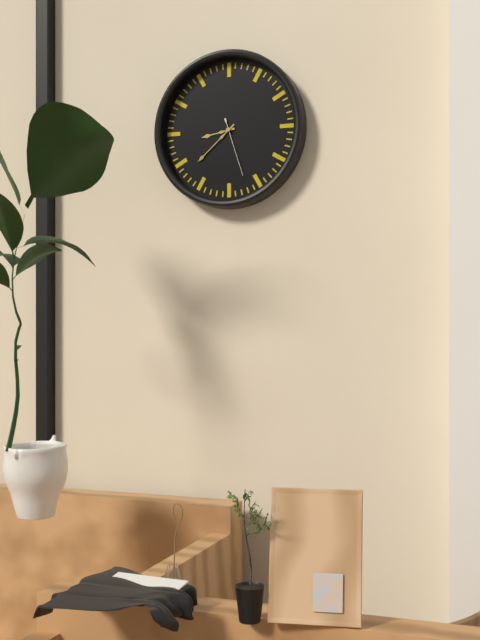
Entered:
8:38:27
